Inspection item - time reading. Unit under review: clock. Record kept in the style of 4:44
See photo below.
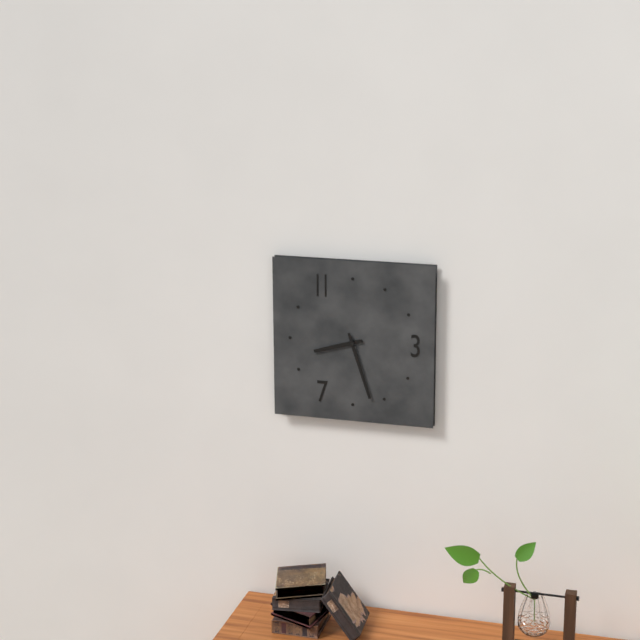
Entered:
8:27
